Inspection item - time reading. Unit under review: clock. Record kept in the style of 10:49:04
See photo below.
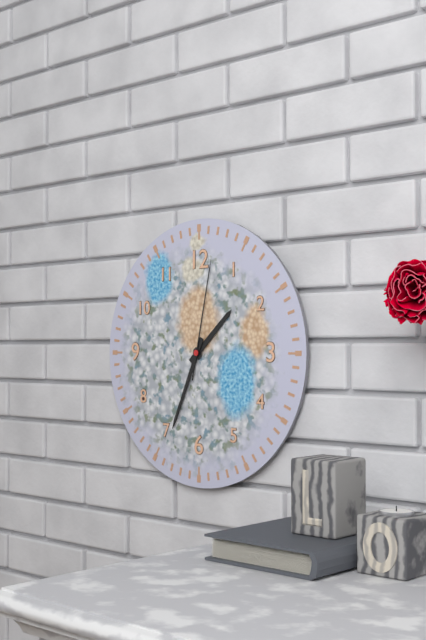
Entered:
1:34:02
